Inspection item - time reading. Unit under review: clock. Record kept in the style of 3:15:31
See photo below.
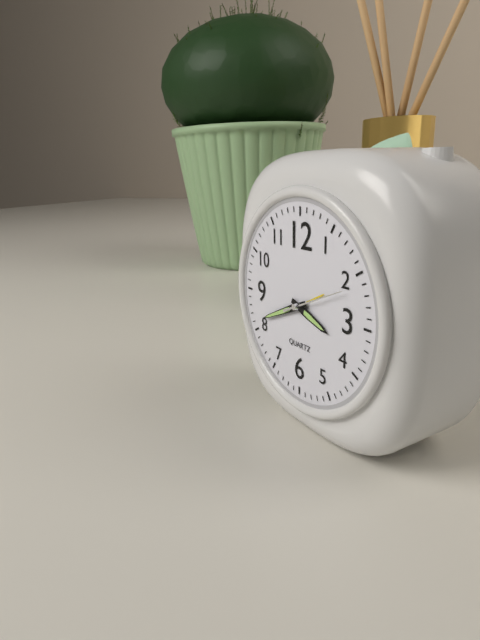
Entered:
3:41:11
